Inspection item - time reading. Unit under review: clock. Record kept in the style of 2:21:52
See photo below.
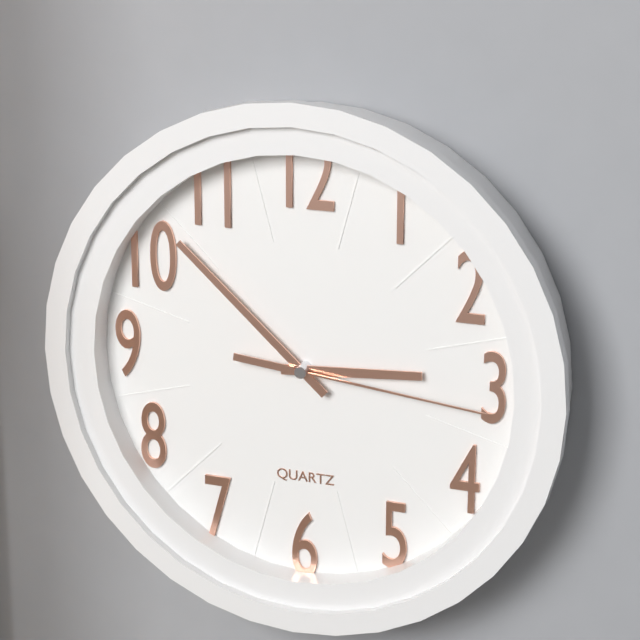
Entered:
2:52:16
